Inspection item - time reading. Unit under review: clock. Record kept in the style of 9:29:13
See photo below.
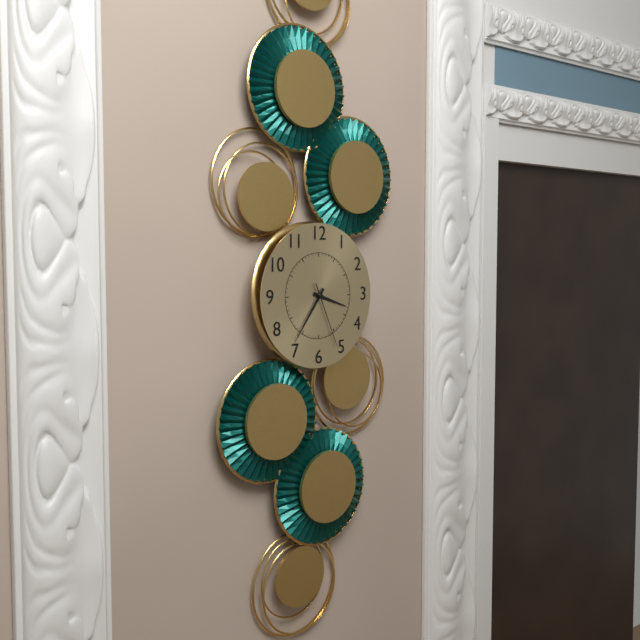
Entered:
3:36:26
